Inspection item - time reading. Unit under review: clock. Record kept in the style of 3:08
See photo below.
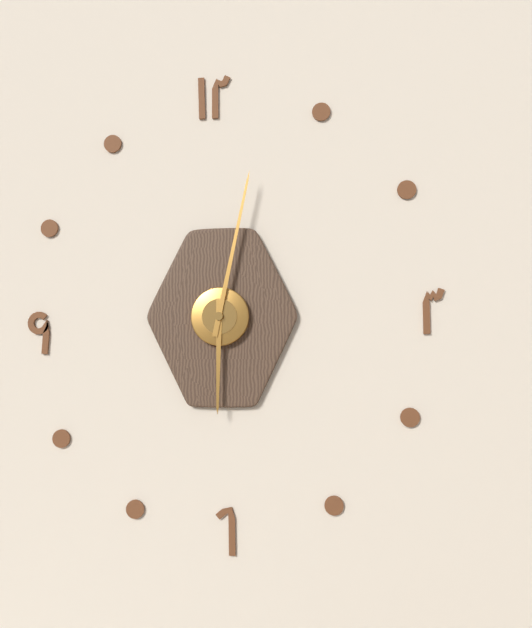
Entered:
6:02
